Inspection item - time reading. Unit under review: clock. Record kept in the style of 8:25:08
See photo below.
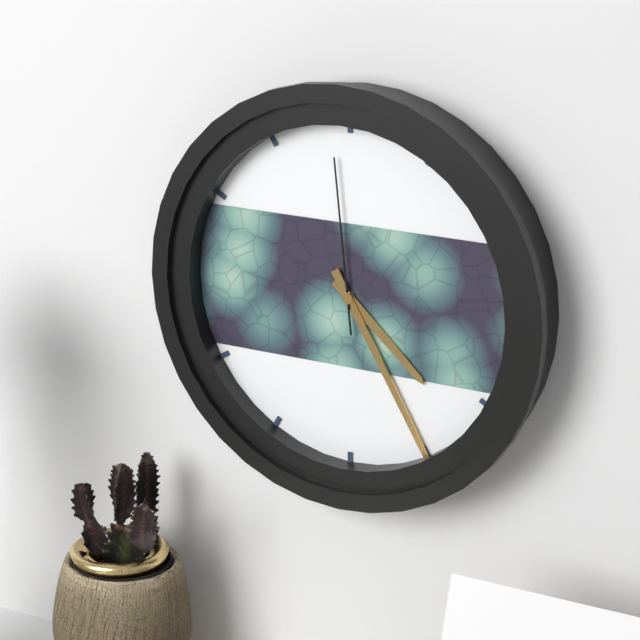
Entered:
4:25:59
